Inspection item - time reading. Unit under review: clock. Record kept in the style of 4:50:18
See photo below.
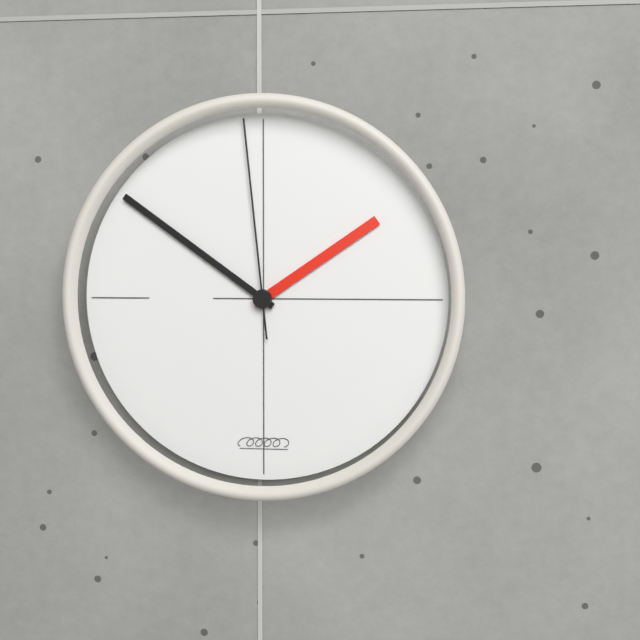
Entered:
1:51:59
